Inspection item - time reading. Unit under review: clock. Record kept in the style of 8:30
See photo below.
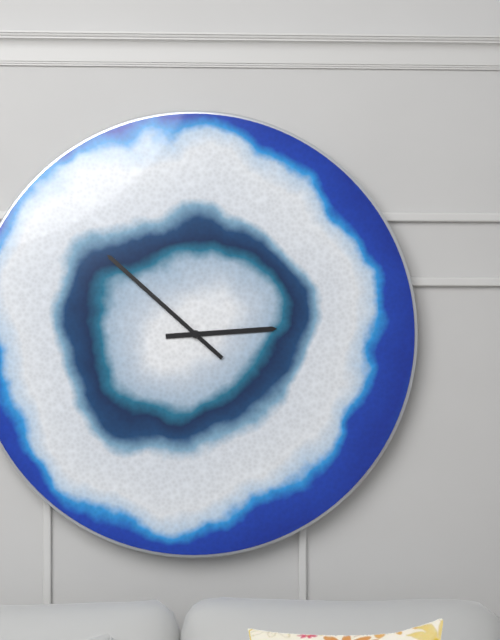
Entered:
2:52
